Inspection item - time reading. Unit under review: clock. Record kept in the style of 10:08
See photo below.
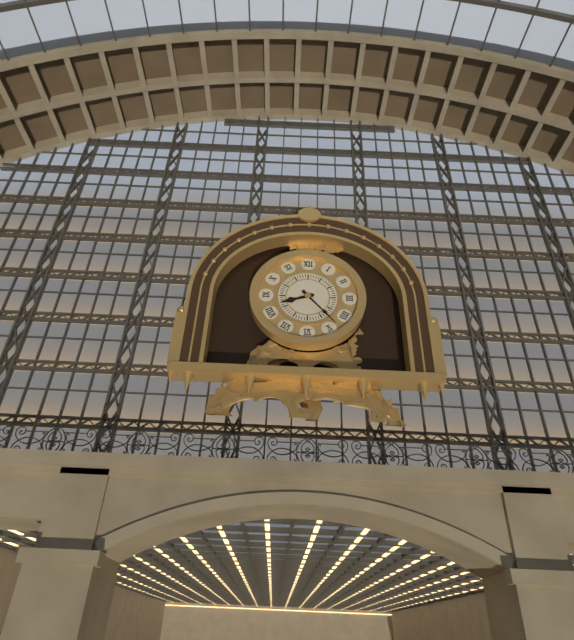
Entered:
8:23
